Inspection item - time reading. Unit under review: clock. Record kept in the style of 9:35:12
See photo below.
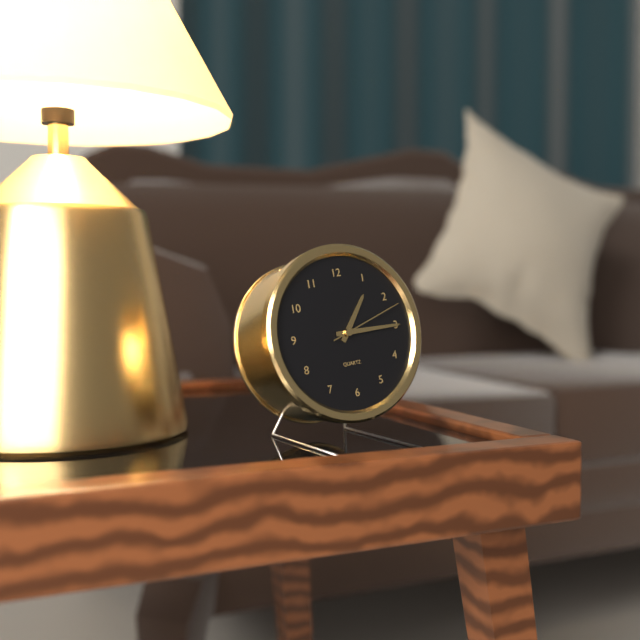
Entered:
1:15:12
